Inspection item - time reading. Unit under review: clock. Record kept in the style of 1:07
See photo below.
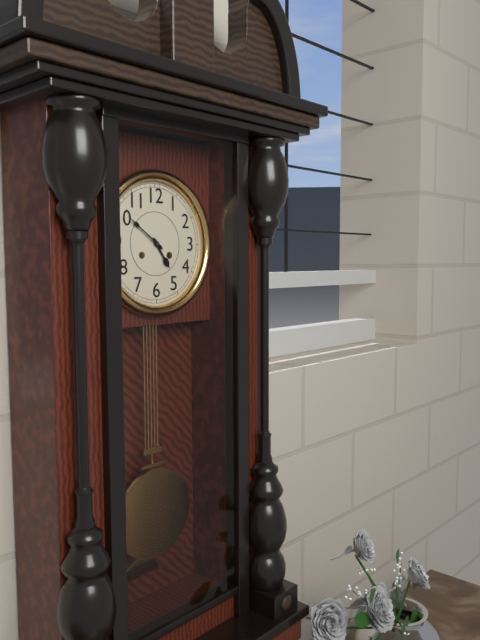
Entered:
4:51
